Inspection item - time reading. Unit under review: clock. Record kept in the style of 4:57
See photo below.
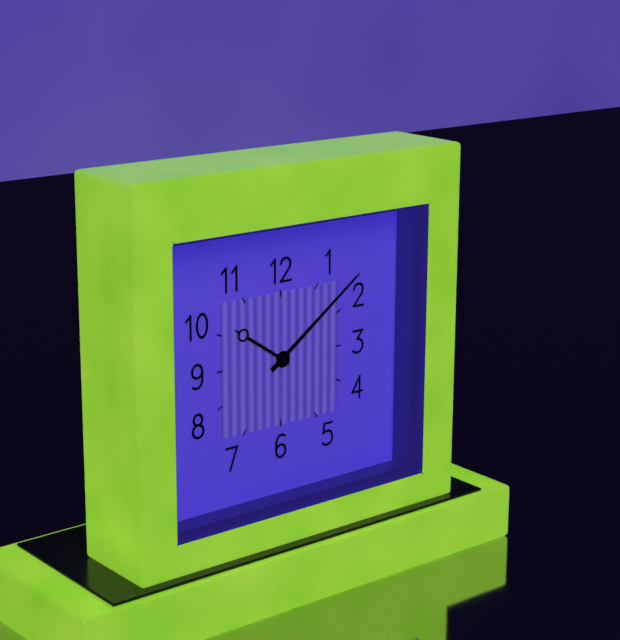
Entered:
10:09
